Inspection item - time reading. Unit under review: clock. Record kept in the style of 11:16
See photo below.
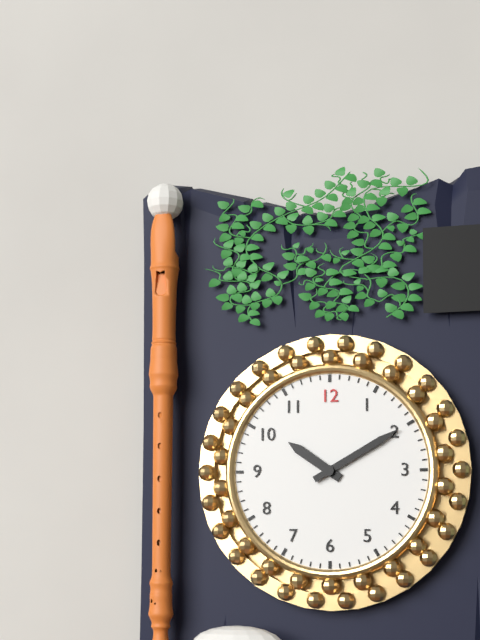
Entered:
10:10
